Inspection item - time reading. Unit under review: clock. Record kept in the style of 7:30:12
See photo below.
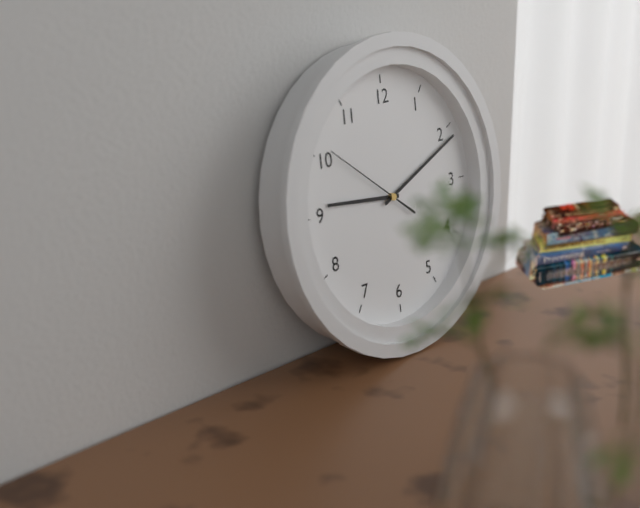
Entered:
9:11:51
